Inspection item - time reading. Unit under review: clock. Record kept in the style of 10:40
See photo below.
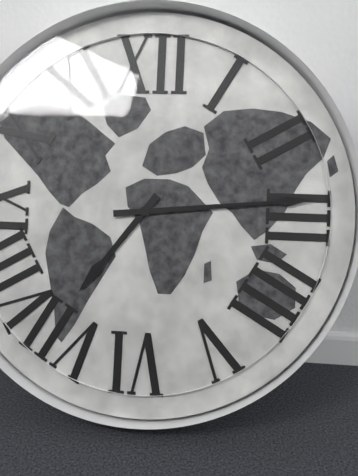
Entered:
7:14
